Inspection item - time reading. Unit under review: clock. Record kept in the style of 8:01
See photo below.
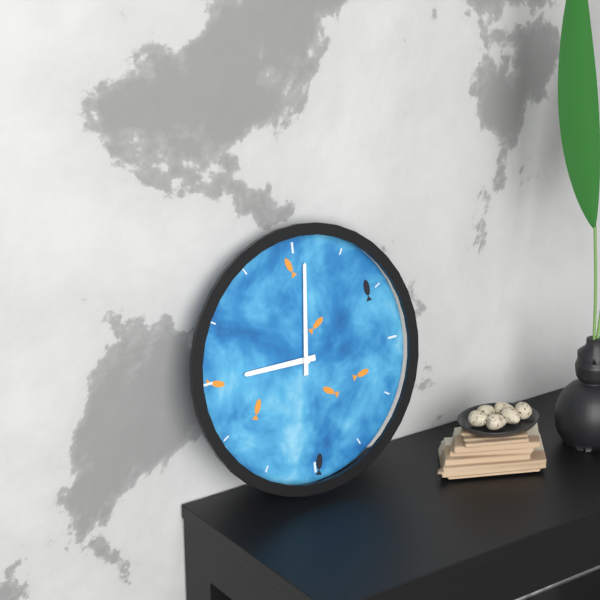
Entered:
9:01
